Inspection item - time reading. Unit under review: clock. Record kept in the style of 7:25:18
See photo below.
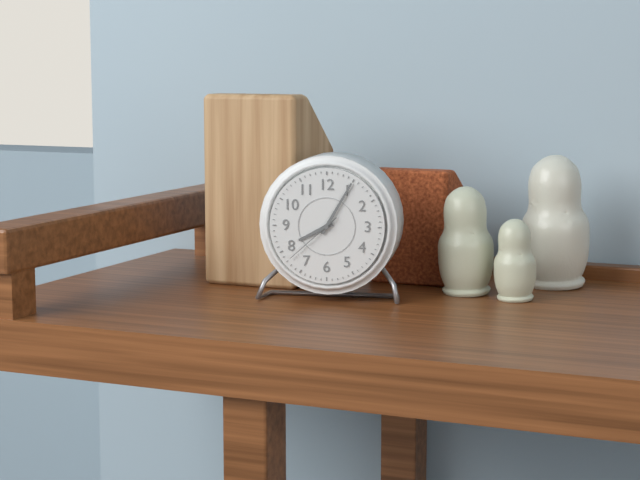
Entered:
8:05:38
